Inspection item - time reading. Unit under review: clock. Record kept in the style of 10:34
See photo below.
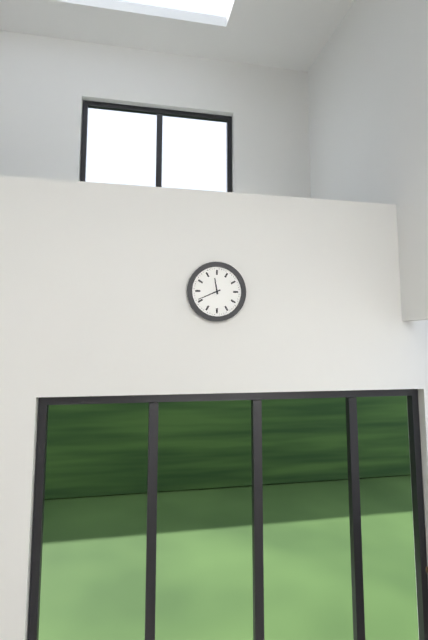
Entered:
11:41
